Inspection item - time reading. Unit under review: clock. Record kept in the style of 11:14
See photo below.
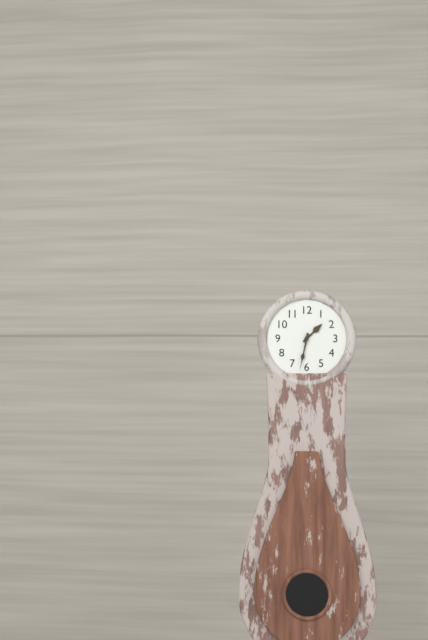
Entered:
1:32
